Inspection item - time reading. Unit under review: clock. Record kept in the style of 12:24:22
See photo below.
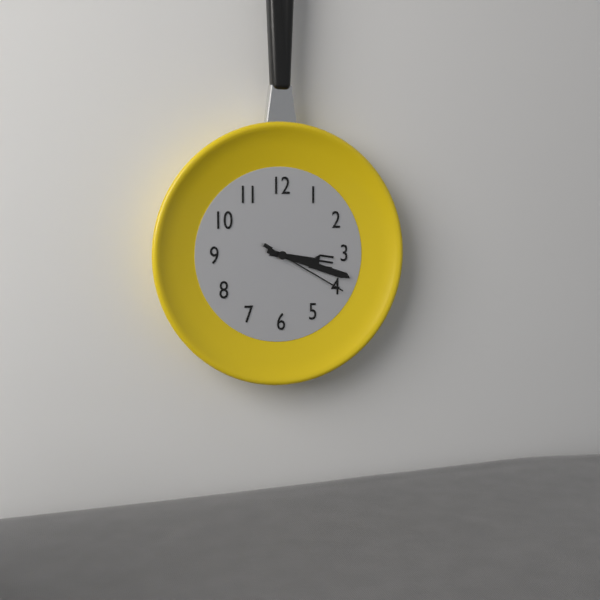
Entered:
3:18:20
